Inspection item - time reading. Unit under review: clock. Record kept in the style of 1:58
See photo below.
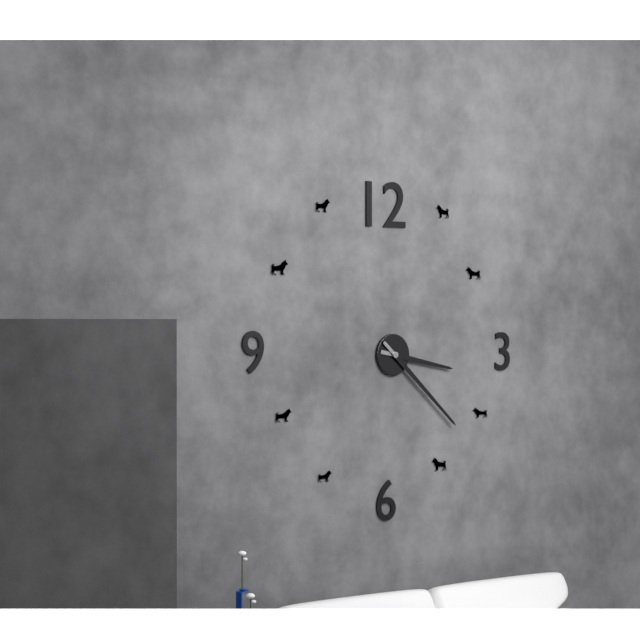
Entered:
3:22
